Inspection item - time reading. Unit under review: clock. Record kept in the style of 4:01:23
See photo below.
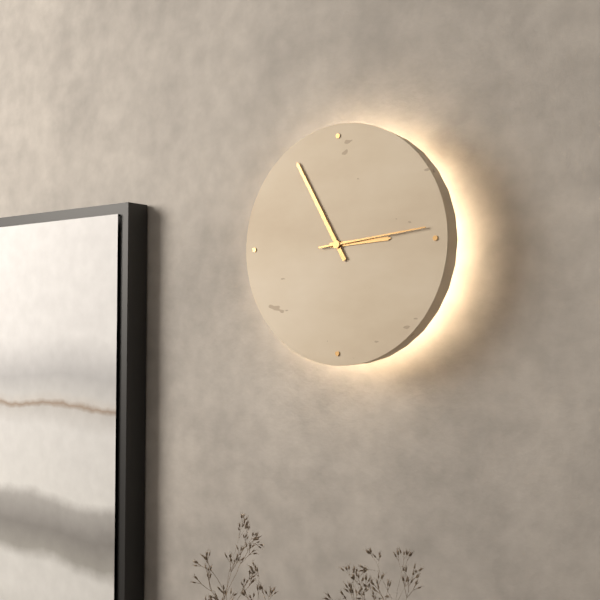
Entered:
2:55:14
